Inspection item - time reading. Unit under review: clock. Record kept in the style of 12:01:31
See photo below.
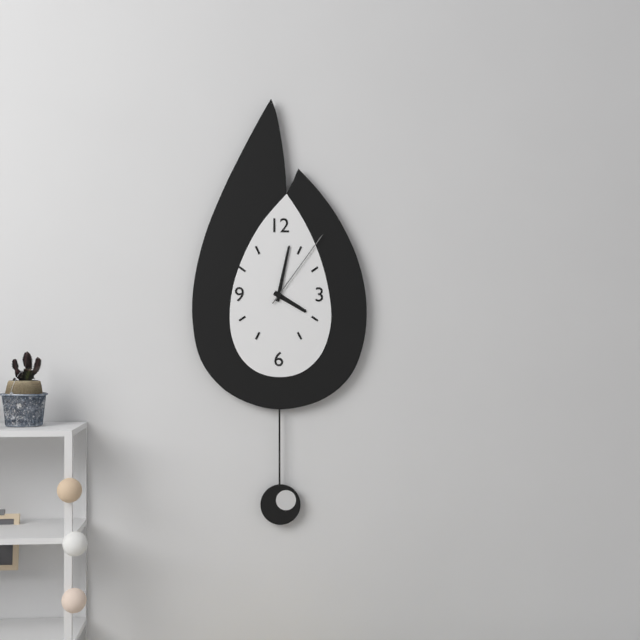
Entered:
4:02:06
